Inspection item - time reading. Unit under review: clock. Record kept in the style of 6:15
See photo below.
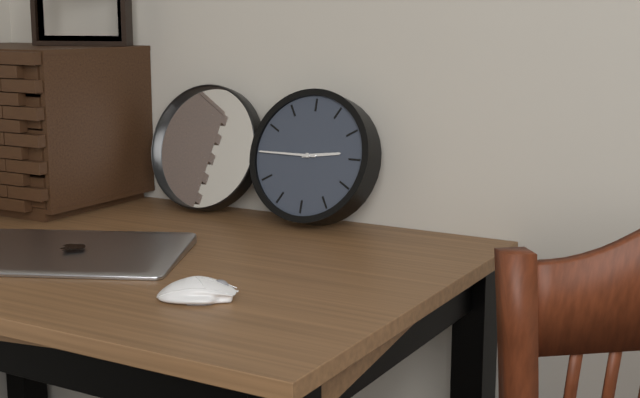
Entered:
2:45
